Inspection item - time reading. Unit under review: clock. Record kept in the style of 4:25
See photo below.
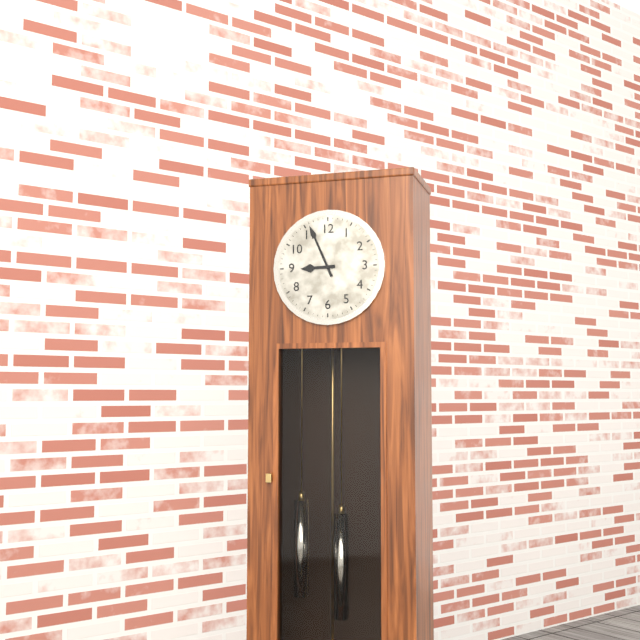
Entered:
8:56
